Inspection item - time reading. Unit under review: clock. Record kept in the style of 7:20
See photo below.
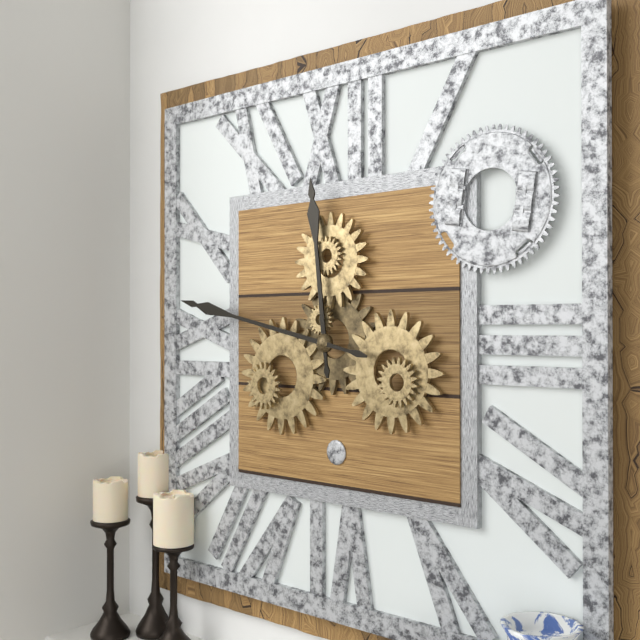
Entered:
11:47
